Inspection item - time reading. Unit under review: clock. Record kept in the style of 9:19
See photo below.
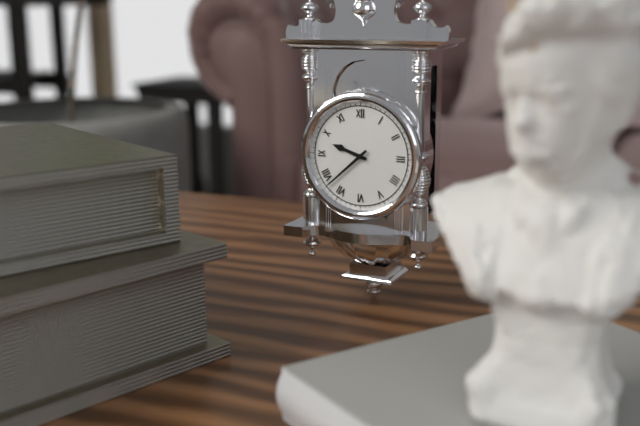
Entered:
9:38
